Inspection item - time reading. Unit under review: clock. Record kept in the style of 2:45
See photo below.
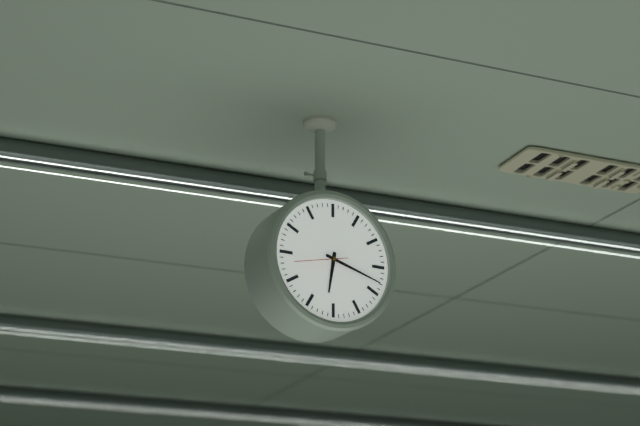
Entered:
6:18
